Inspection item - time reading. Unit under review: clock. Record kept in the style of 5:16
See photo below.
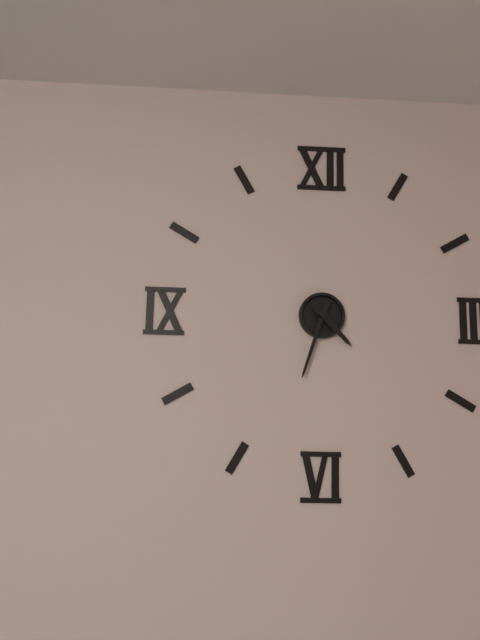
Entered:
4:33
